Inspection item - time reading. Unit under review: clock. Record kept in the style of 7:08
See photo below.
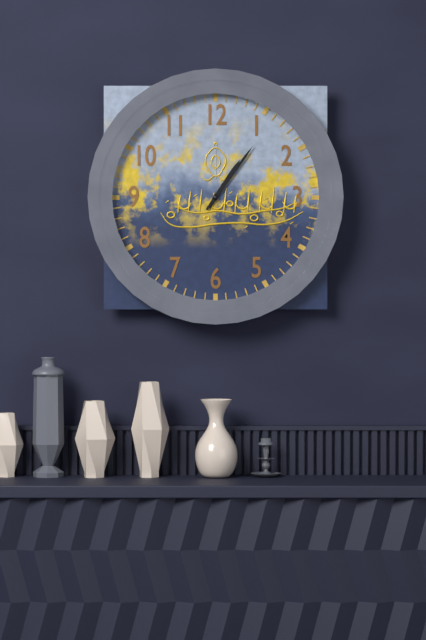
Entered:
1:06
